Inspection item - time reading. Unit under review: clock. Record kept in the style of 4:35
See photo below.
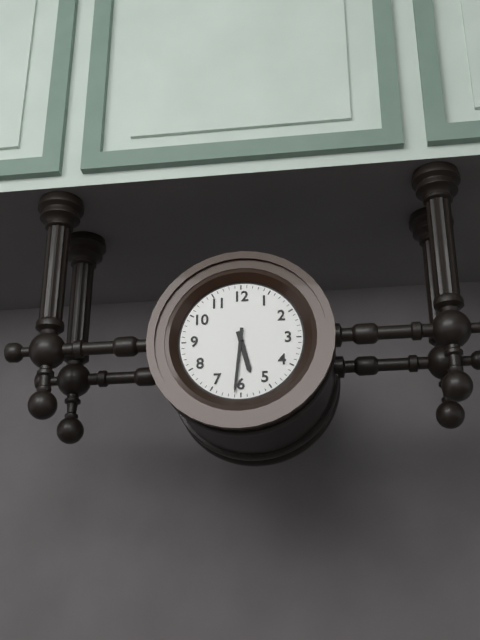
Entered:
5:31
